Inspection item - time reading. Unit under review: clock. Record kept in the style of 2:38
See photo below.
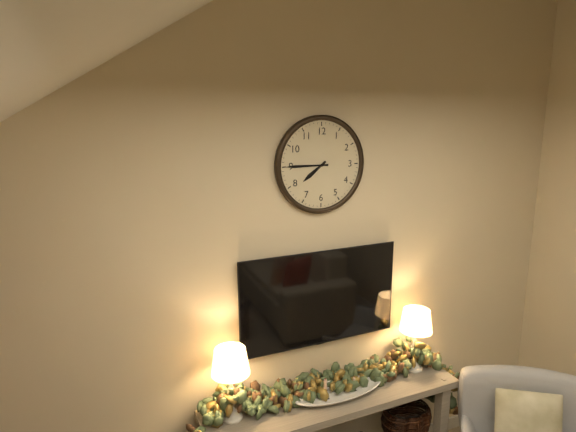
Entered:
7:45
